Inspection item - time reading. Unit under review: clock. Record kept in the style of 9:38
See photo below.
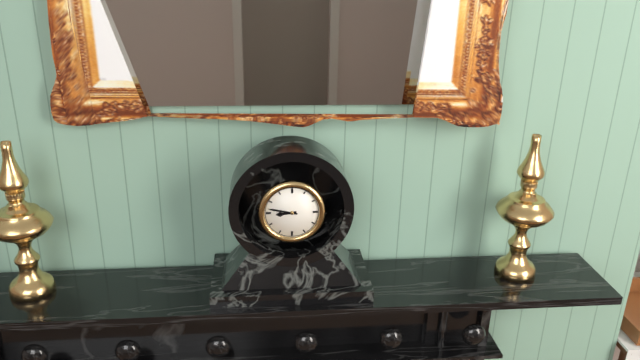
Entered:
8:47
